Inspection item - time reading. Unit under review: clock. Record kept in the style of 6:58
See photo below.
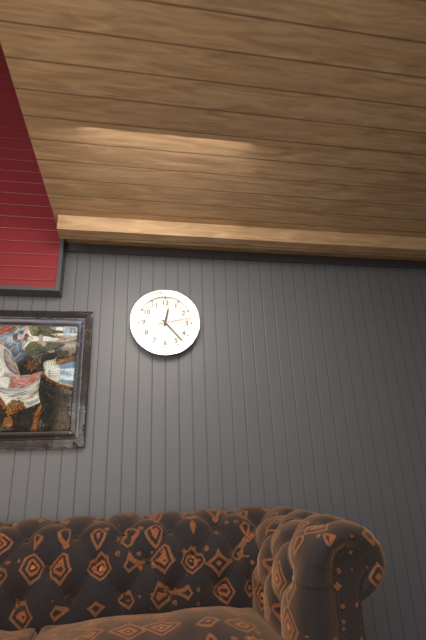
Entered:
12:23
